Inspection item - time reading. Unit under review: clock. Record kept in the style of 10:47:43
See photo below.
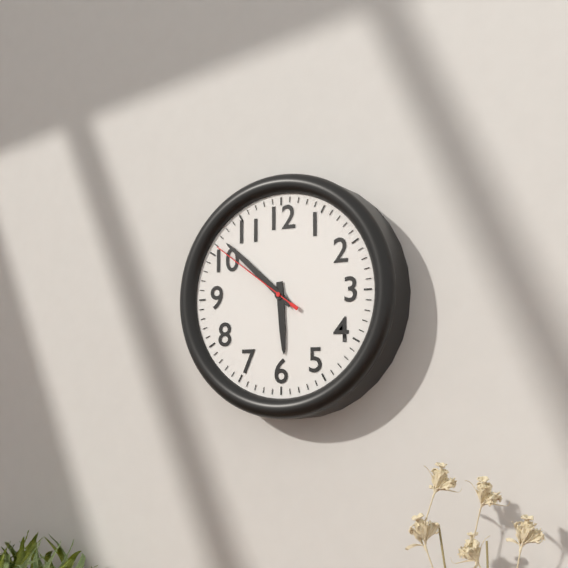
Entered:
5:52:51
